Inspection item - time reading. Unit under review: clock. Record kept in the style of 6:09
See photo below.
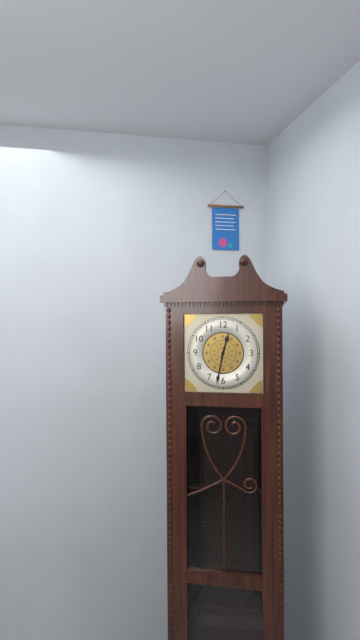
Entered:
12:32
